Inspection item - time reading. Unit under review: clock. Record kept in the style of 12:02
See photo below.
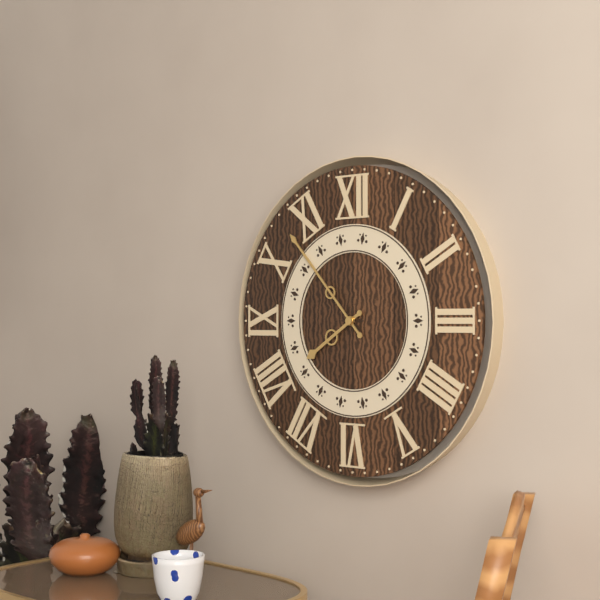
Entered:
7:53
